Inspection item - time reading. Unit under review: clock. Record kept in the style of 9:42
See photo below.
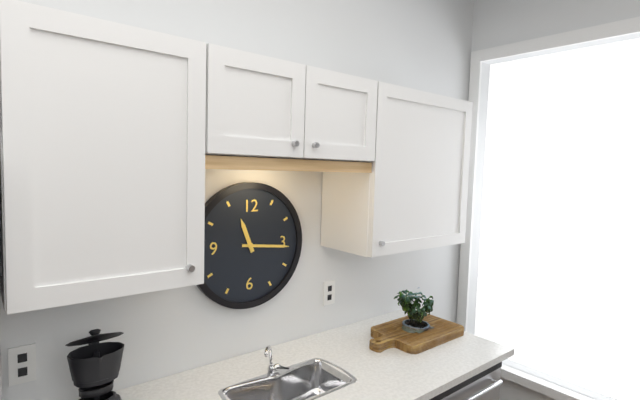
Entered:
11:16
